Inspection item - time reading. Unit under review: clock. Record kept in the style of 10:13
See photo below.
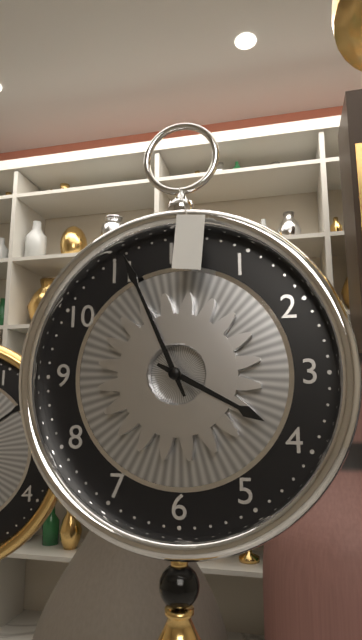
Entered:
3:56
